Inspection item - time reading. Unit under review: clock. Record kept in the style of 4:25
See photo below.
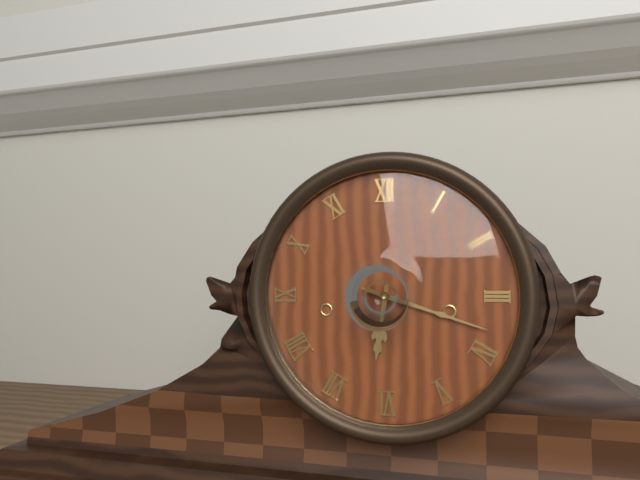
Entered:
6:18
